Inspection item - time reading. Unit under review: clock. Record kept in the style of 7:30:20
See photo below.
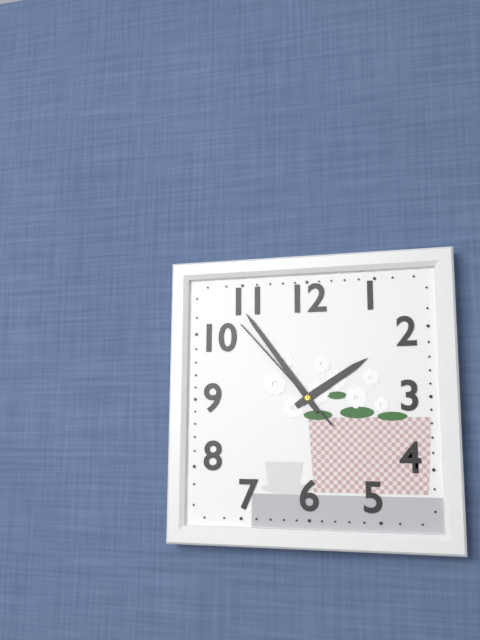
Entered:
1:54:53
